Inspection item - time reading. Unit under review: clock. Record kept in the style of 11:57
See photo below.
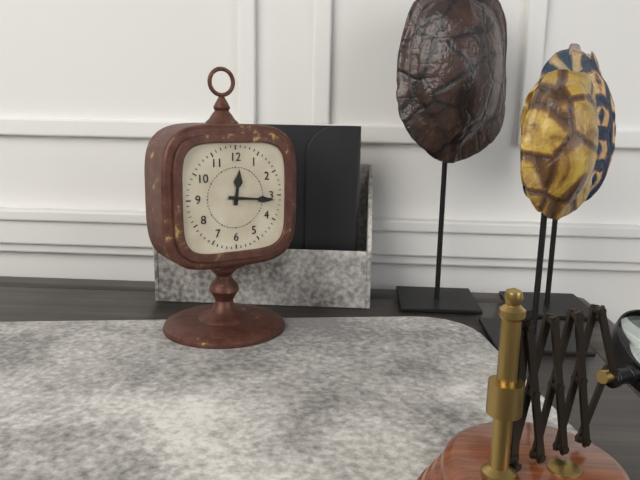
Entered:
12:16
